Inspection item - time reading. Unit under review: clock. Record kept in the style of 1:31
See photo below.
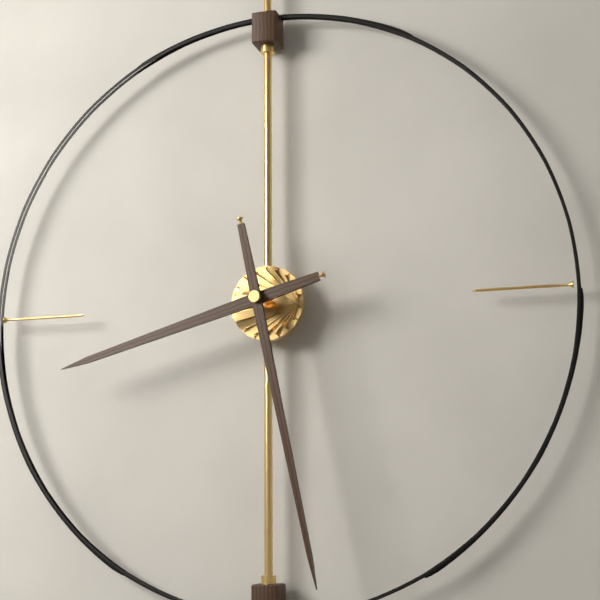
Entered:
8:28
